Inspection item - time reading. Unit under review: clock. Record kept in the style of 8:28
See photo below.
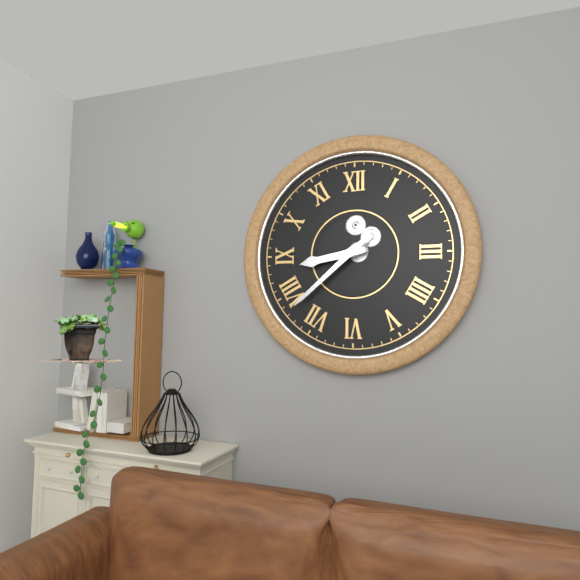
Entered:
8:38
